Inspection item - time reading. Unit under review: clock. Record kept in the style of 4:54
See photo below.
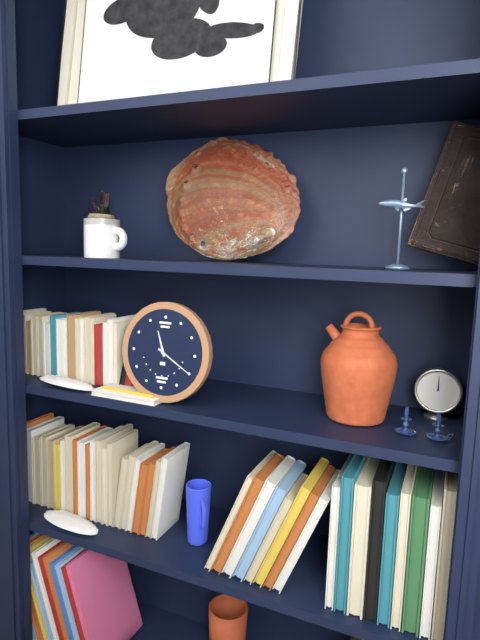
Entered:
11:20
